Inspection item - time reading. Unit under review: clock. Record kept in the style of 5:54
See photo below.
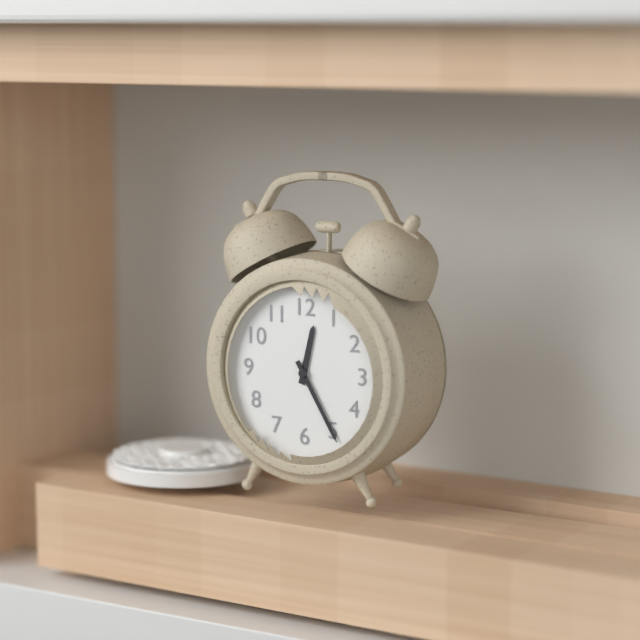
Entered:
12:25
